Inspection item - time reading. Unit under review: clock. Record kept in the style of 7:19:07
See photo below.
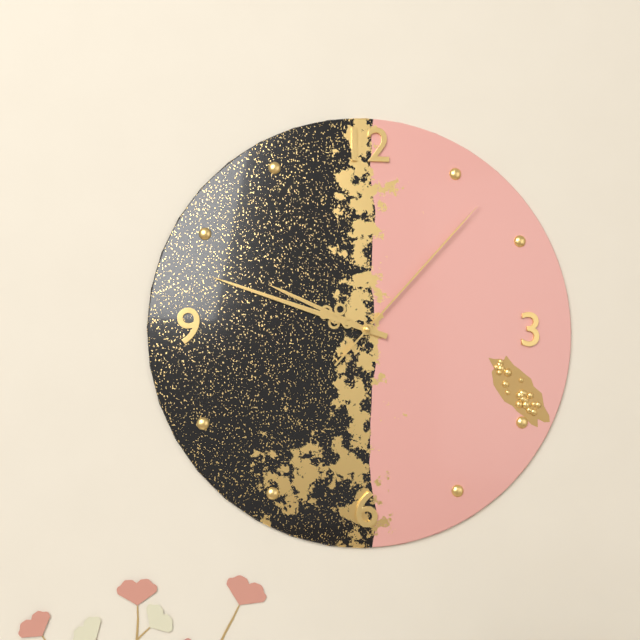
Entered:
9:48:07
